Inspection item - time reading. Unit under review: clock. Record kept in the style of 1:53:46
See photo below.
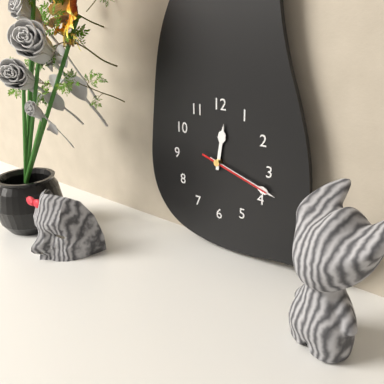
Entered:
12:18:18
